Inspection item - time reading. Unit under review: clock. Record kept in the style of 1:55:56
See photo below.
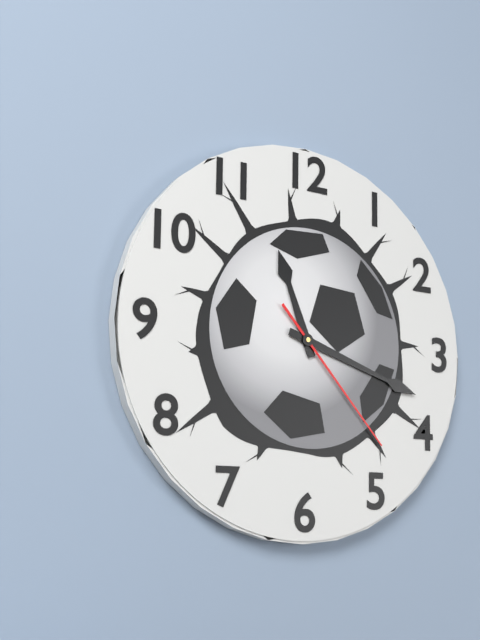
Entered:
11:18:23
